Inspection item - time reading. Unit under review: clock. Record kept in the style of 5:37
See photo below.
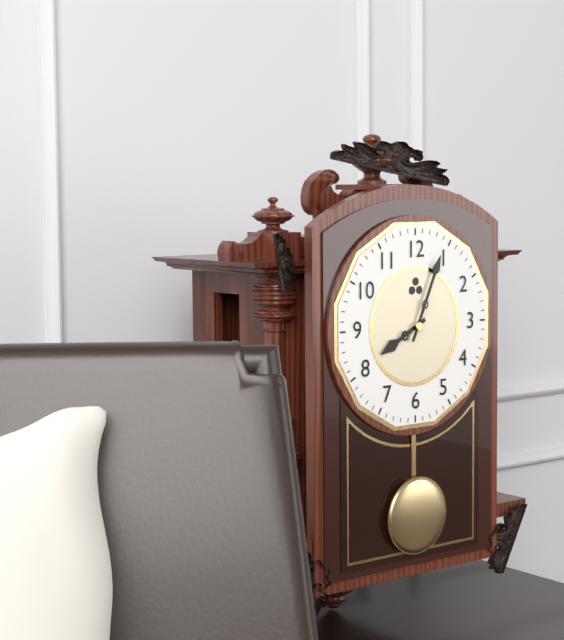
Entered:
8:04
